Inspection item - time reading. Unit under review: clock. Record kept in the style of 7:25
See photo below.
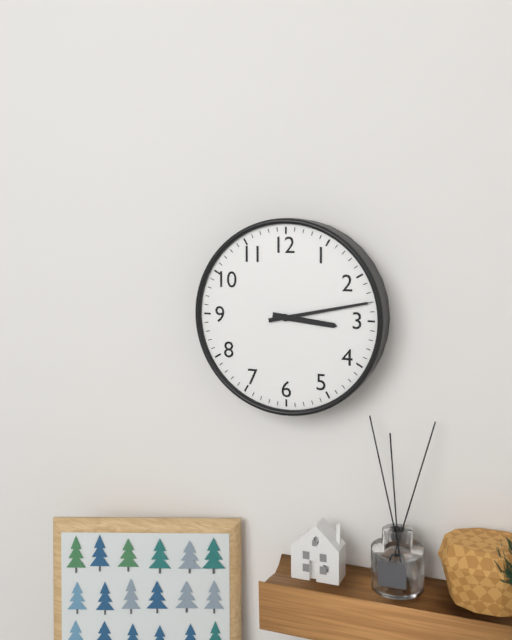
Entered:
3:13
